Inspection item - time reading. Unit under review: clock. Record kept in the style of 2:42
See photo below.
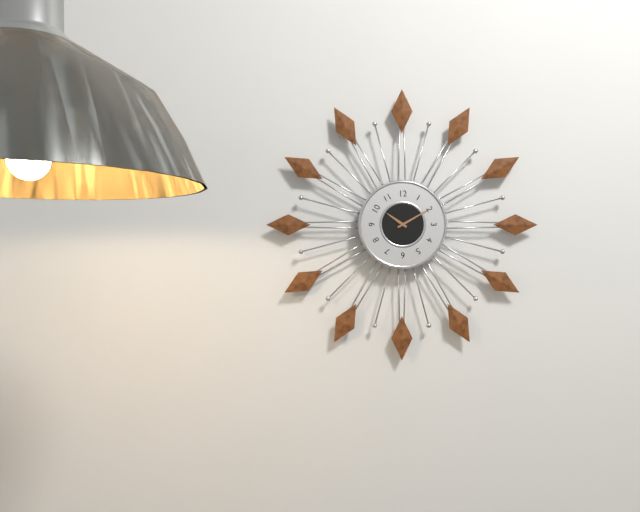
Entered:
10:10
